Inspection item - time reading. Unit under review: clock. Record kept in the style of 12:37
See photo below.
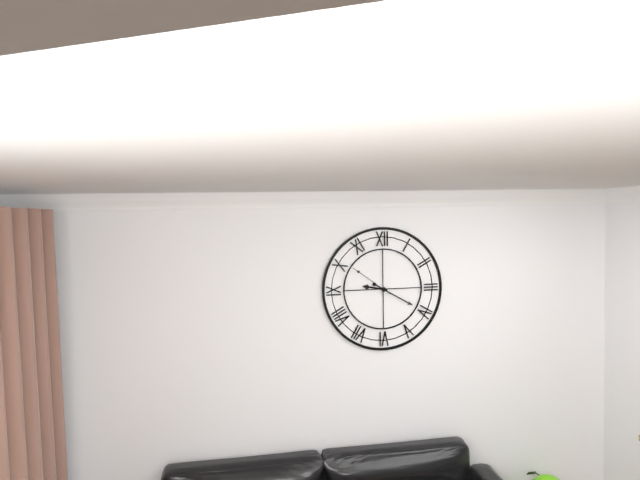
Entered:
9:20
